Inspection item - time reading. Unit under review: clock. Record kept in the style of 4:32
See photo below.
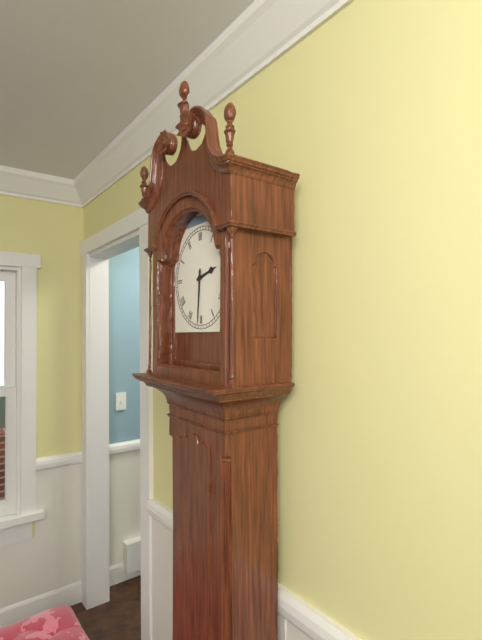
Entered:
2:31
